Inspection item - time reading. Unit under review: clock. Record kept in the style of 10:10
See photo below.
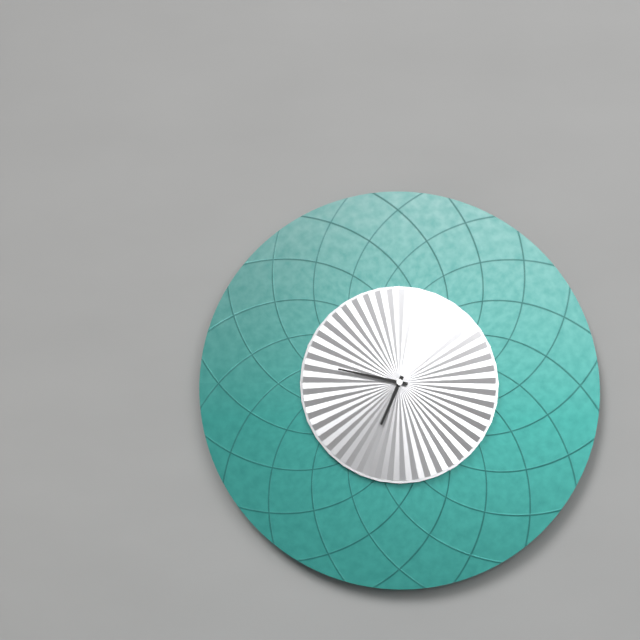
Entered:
6:47
